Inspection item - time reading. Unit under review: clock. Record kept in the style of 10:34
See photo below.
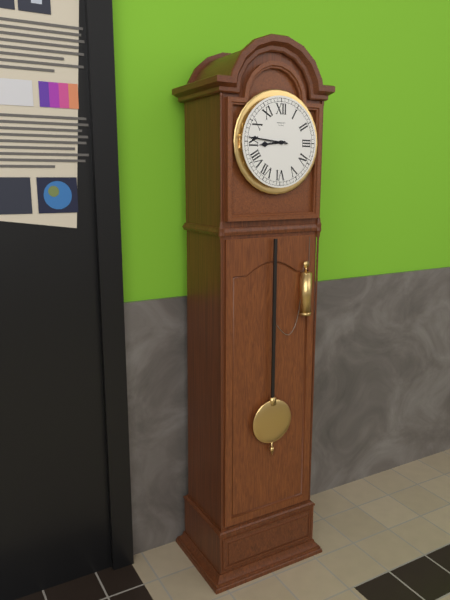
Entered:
8:46
